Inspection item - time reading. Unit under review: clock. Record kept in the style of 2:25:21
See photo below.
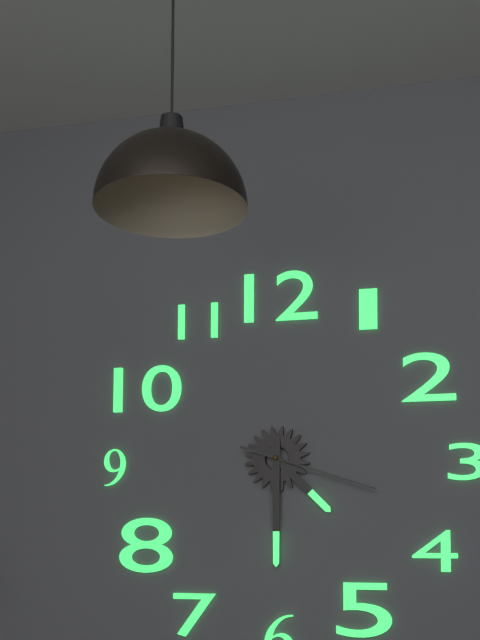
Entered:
4:30:18
